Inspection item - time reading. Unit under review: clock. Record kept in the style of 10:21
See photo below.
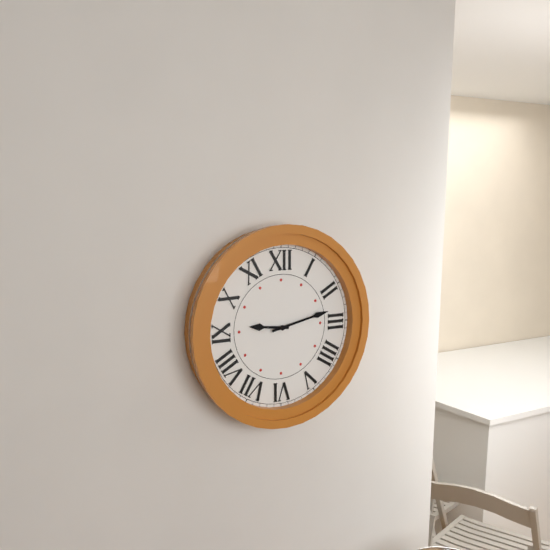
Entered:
9:13
